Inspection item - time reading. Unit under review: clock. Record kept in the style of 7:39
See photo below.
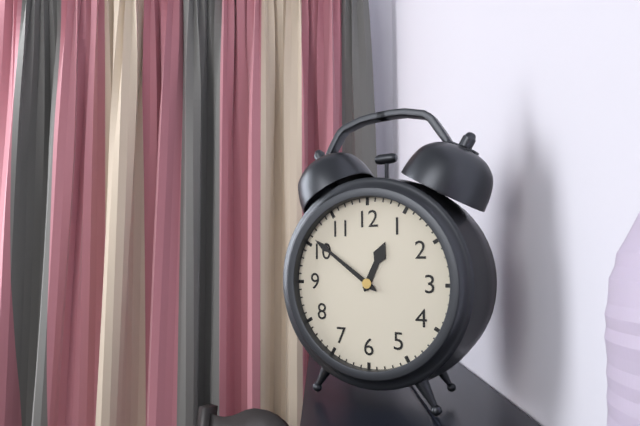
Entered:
12:51
